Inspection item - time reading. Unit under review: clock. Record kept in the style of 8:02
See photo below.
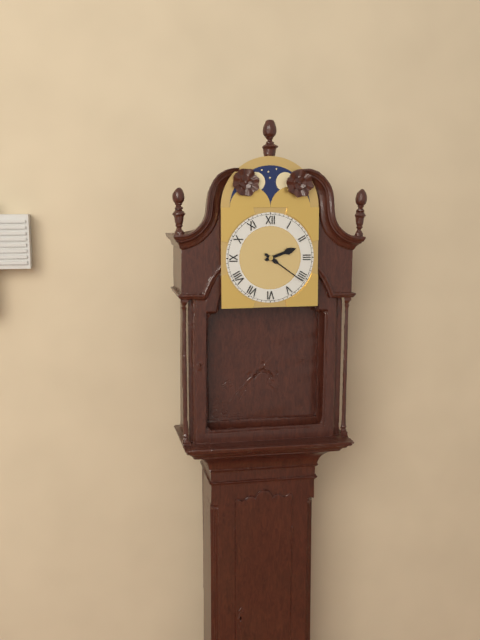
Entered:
2:21
